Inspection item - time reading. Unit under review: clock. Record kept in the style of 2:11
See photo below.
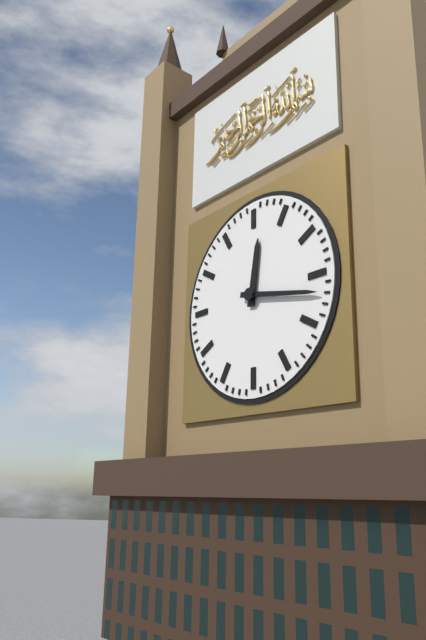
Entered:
12:17
